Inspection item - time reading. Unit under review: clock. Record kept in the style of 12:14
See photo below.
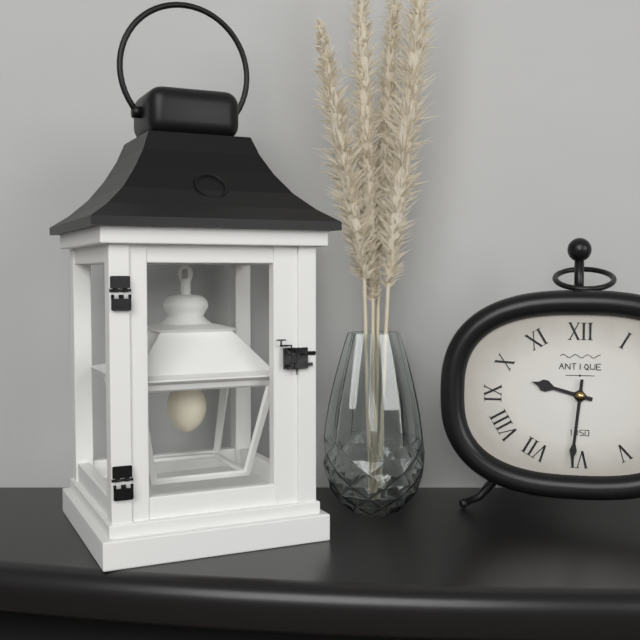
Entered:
9:31
